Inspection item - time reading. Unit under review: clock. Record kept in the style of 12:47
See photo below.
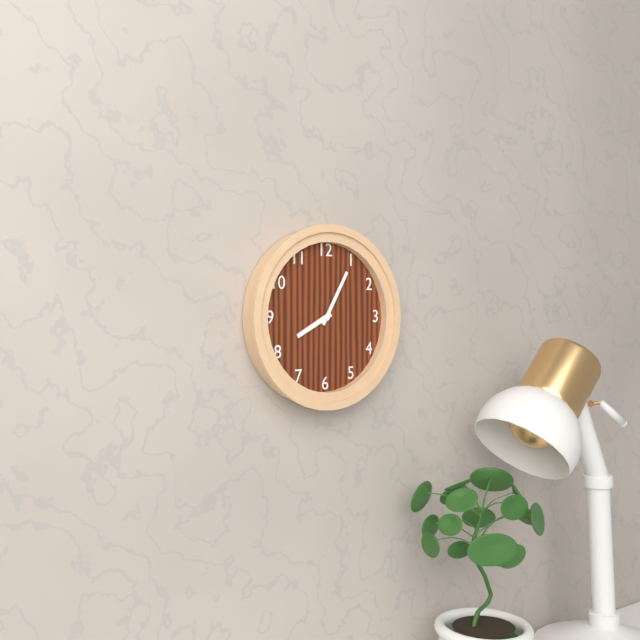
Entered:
8:05
